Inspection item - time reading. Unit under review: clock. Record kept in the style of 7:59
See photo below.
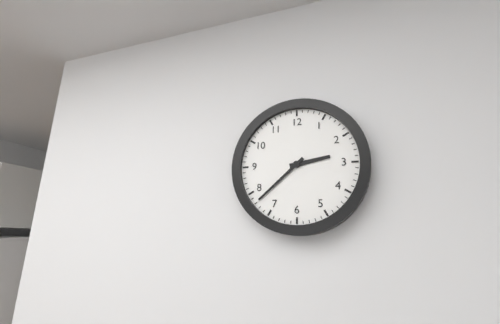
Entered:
2:38
